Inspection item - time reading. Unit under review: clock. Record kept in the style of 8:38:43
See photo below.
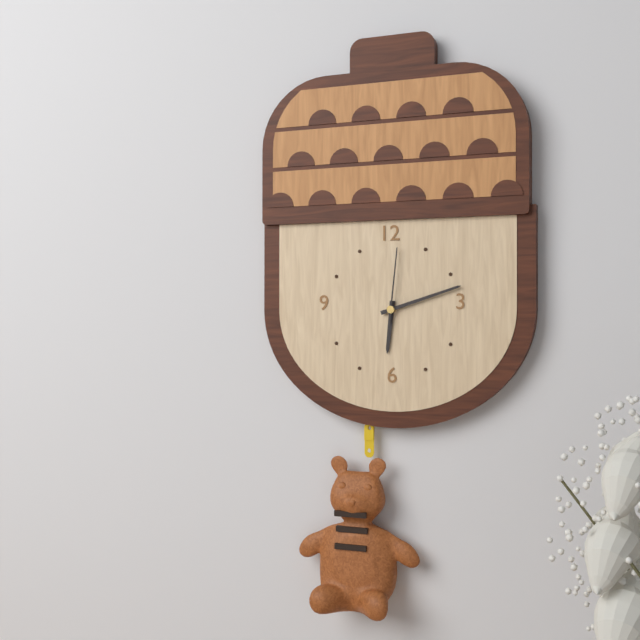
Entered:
6:12:01
